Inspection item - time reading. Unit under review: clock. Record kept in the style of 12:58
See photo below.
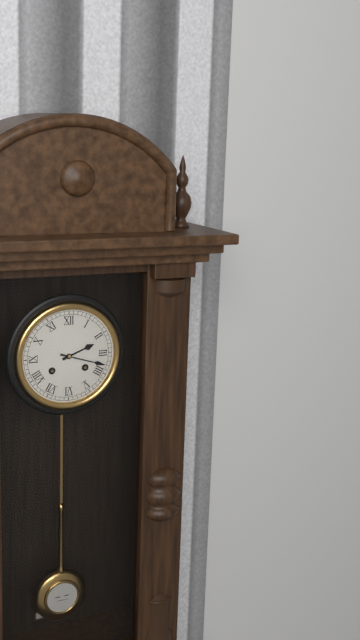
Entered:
2:18
